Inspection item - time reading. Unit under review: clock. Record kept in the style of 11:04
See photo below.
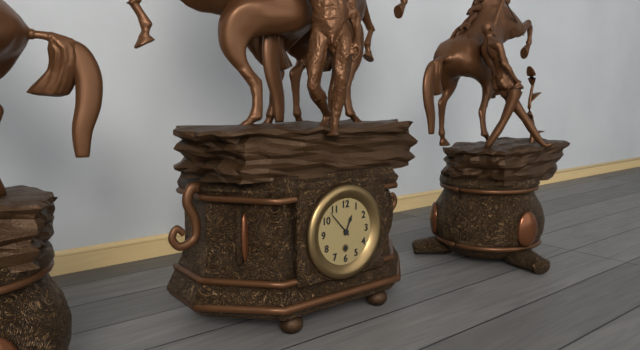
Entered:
12:53
